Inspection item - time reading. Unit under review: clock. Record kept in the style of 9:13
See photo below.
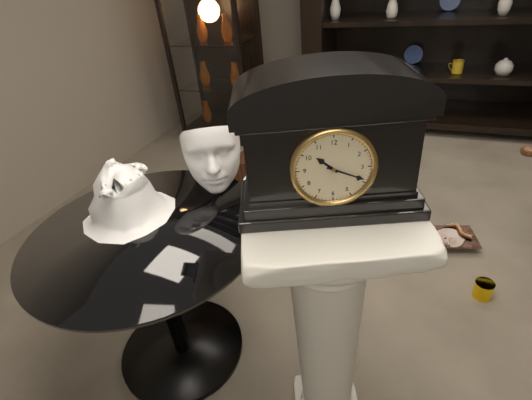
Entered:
10:19
